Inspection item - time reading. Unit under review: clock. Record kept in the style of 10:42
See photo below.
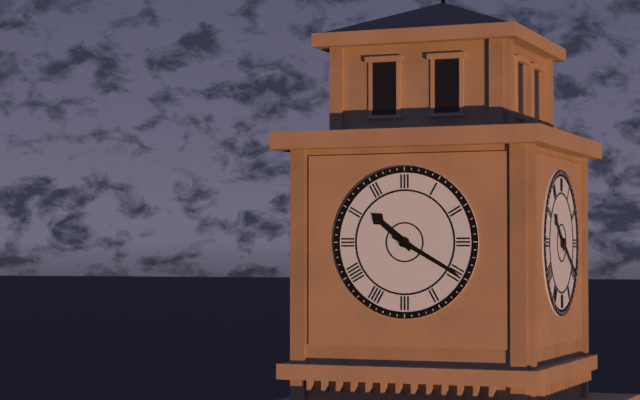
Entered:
10:20
